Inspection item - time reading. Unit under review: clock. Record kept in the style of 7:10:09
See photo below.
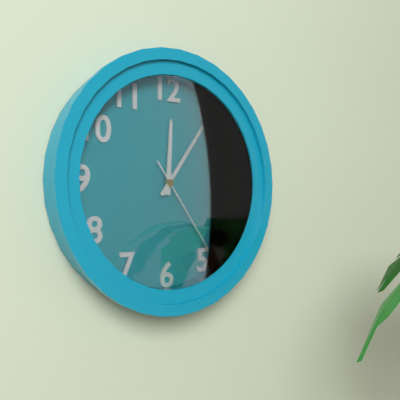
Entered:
12:06:24
